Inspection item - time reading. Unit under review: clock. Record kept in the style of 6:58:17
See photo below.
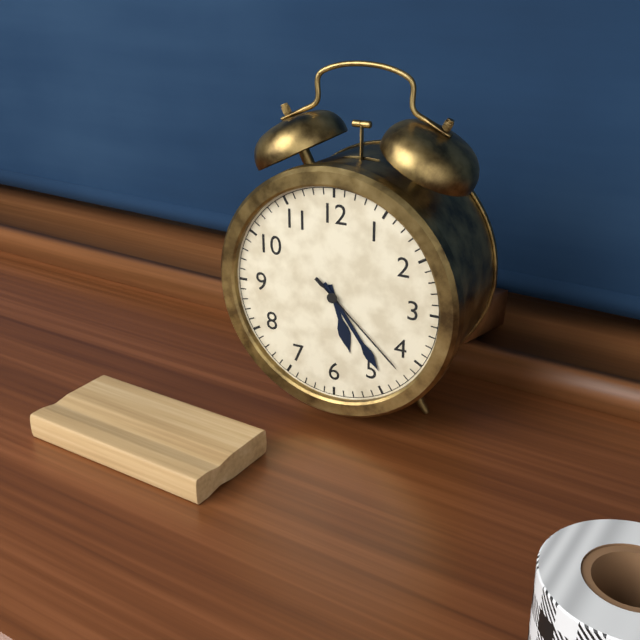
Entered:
5:24:22
